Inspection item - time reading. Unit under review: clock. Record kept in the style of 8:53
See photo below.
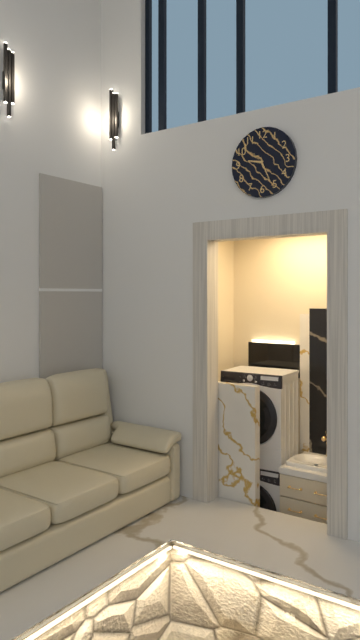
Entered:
9:26
